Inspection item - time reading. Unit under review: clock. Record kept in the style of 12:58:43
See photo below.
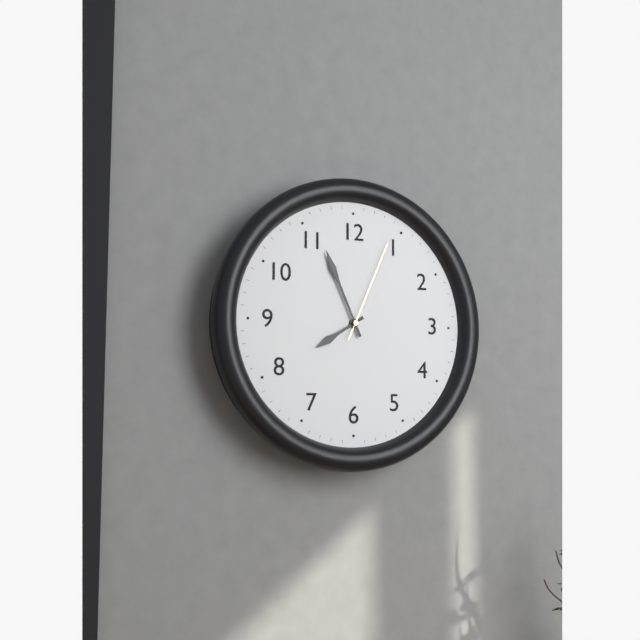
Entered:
7:56:04
